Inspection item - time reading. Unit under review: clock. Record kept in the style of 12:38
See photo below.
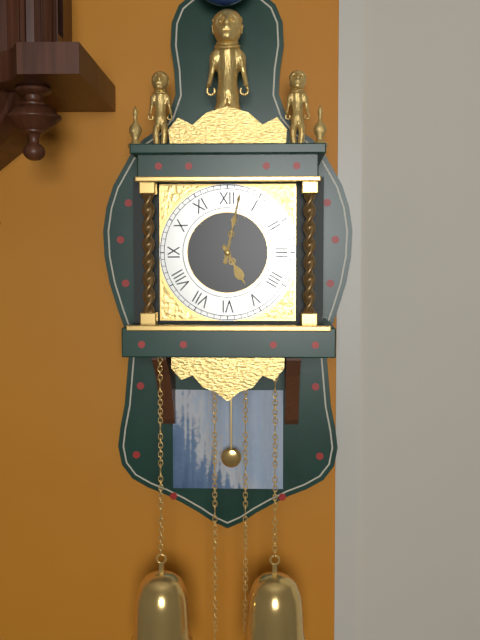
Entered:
5:02
